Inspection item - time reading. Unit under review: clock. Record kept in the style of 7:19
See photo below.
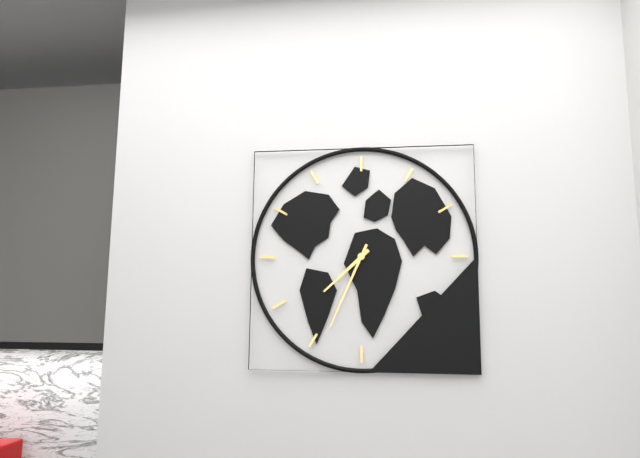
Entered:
7:34
